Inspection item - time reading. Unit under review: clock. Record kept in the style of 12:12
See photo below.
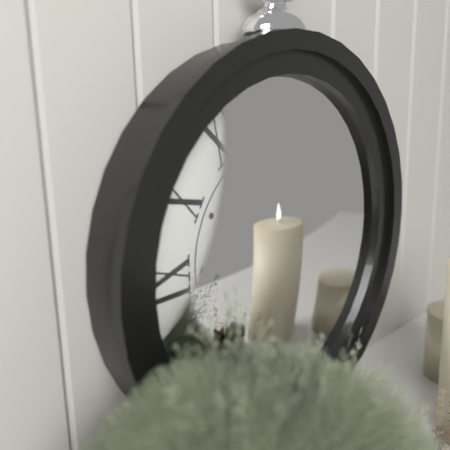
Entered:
3:17
